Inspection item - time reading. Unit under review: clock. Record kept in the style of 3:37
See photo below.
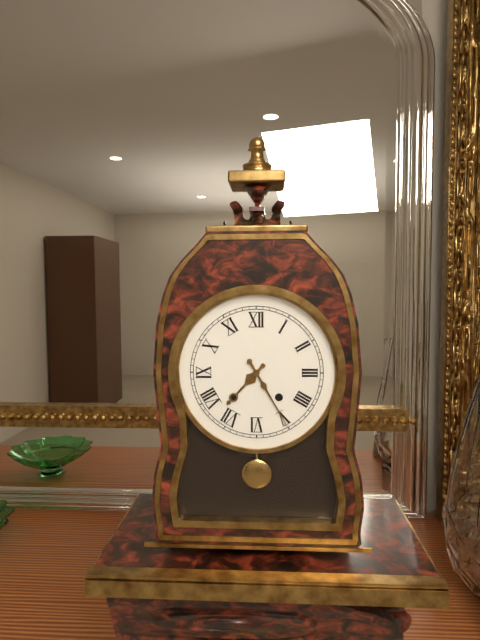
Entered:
7:25
